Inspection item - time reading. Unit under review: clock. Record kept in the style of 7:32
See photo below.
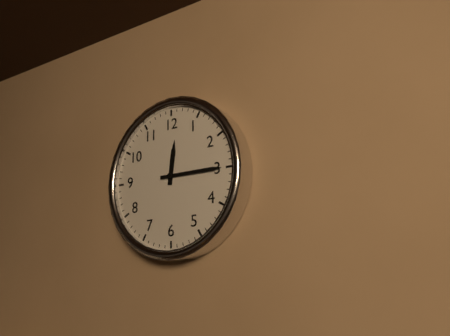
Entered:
12:15
